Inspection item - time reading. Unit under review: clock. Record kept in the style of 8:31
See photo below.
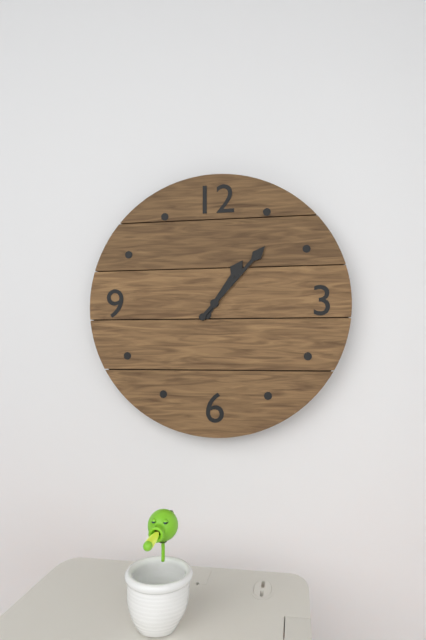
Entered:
1:07
